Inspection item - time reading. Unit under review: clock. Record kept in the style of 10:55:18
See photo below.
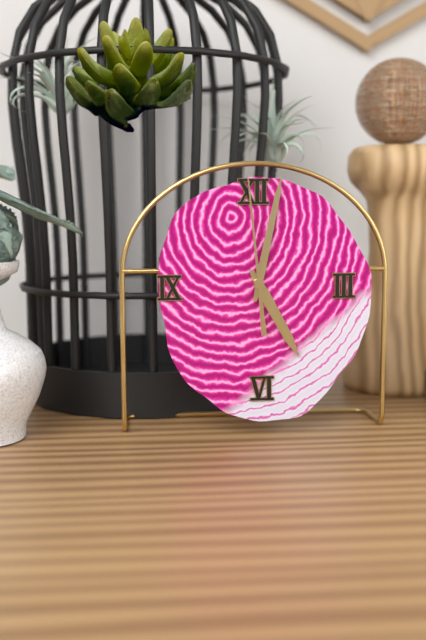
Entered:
5:02:59
